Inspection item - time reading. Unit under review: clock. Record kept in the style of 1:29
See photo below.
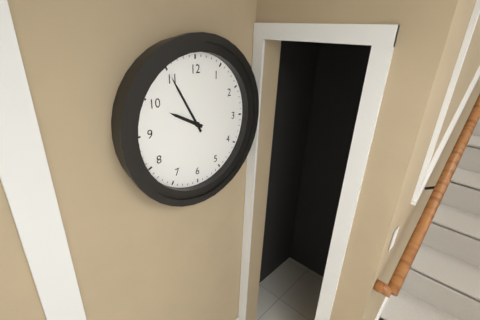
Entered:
9:55
